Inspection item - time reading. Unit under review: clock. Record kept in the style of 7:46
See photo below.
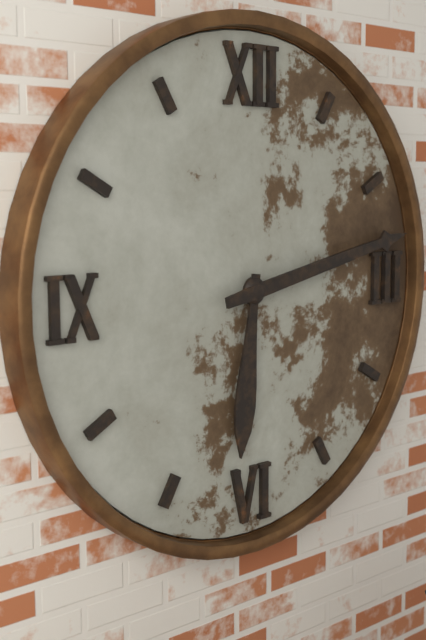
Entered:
6:13
